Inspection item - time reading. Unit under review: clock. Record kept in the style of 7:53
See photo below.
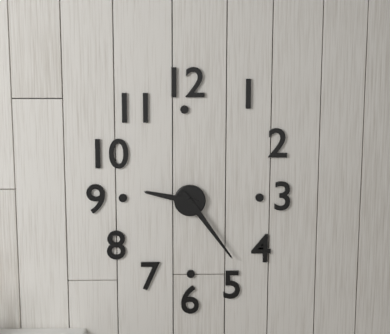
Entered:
9:24
